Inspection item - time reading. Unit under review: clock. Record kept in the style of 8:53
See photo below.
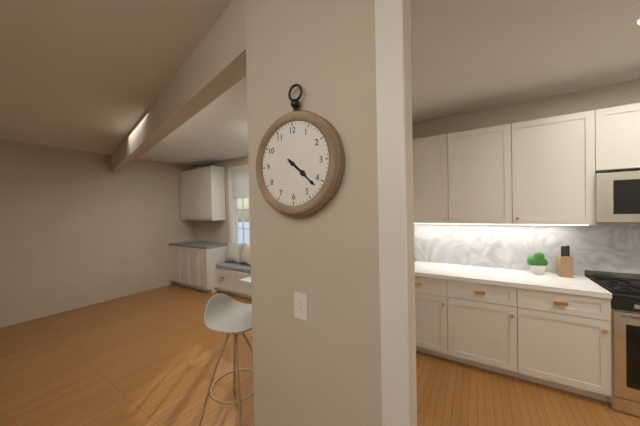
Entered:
4:22
